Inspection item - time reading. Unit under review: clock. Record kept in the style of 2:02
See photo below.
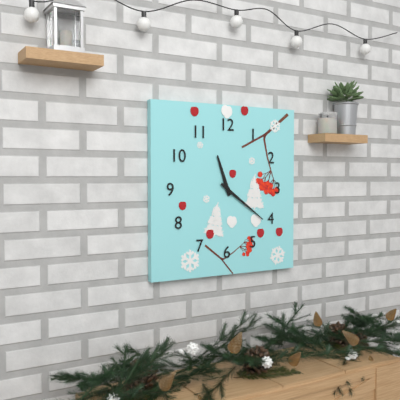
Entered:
11:21
